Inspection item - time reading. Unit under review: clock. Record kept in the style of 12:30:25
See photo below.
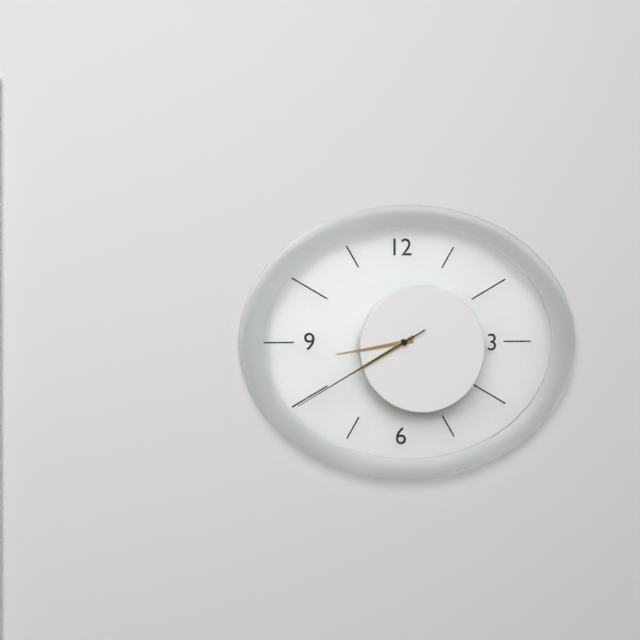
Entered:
8:40:40
